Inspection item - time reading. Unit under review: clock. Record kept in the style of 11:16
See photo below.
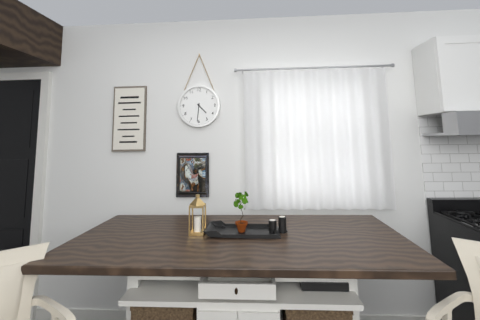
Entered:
4:31
